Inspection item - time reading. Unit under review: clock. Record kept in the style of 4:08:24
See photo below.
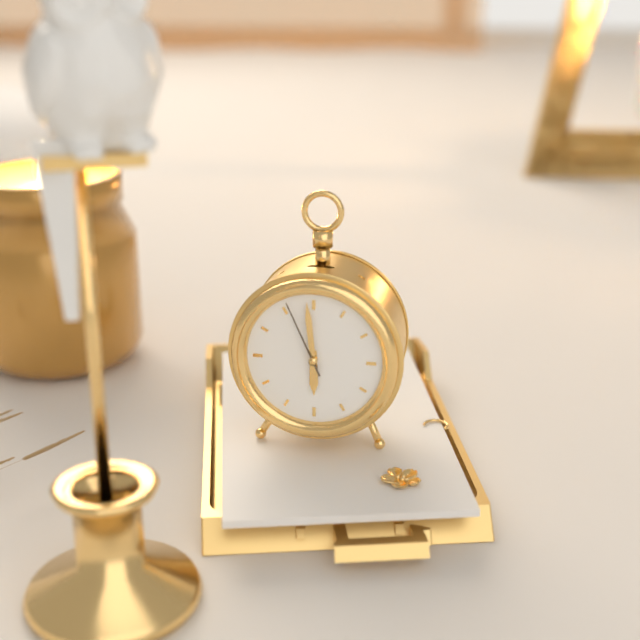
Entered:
5:59:56
